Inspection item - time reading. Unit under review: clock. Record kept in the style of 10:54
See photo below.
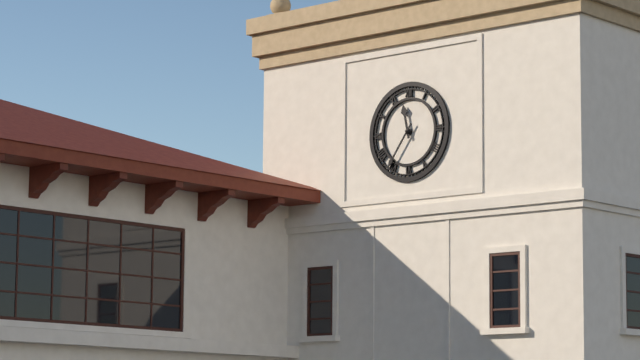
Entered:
11:36
